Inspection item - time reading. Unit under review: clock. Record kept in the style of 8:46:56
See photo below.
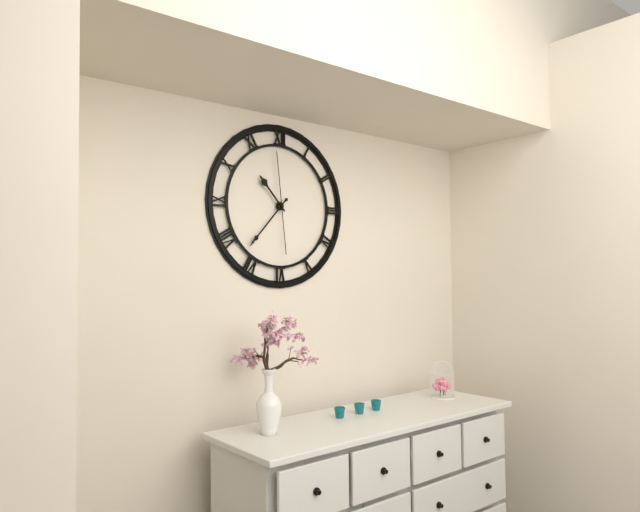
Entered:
10:37:59
